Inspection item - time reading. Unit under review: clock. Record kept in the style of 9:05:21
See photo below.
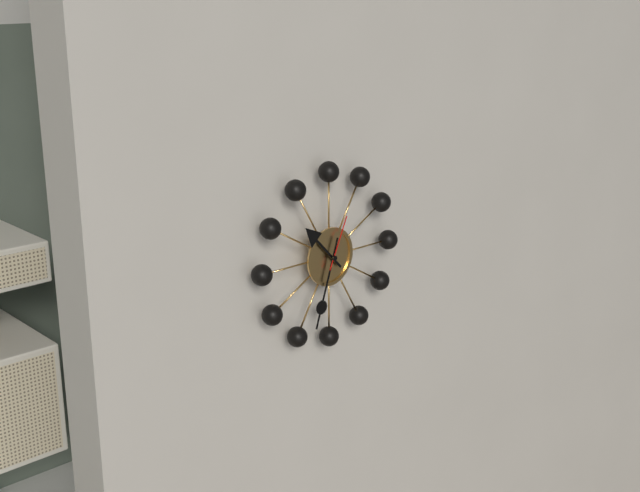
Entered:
10:33:04
